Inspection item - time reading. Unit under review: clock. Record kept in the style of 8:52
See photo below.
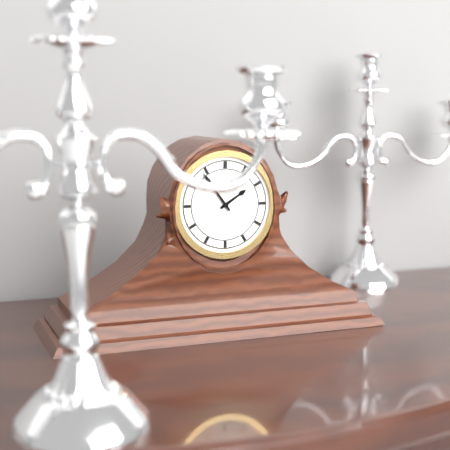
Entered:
1:54
